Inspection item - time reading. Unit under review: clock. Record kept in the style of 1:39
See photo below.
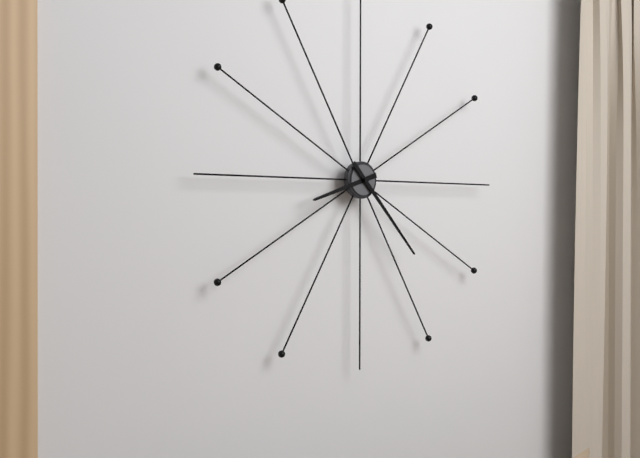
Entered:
8:23
